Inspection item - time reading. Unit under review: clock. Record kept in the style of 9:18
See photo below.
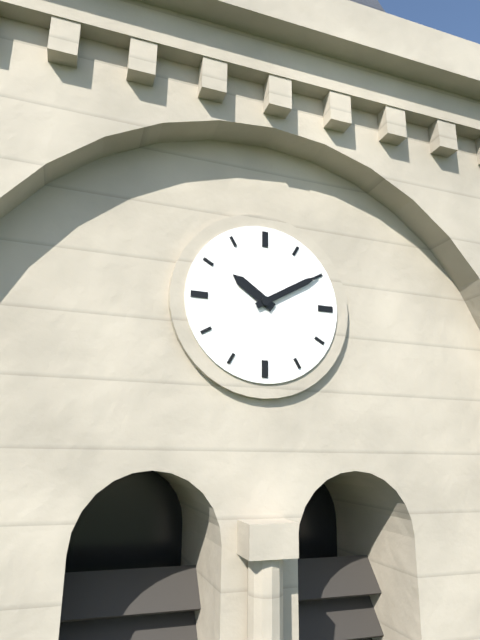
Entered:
10:10
